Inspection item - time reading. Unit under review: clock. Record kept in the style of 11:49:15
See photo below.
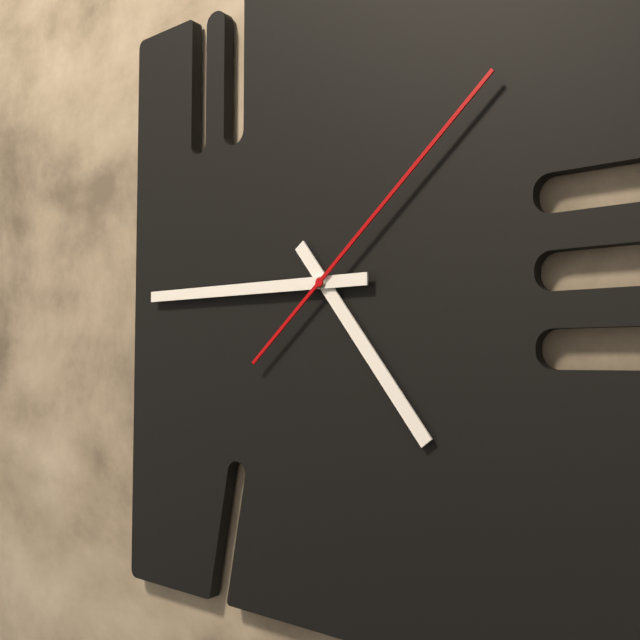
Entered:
4:45:08
